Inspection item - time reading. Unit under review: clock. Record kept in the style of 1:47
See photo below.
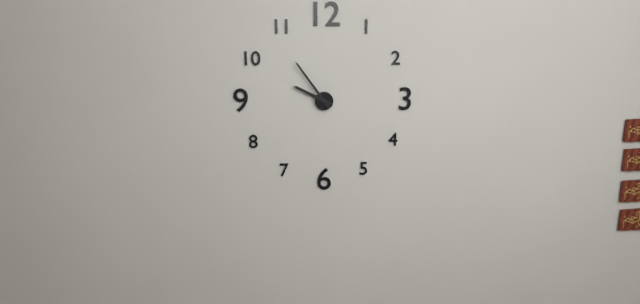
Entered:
9:54
